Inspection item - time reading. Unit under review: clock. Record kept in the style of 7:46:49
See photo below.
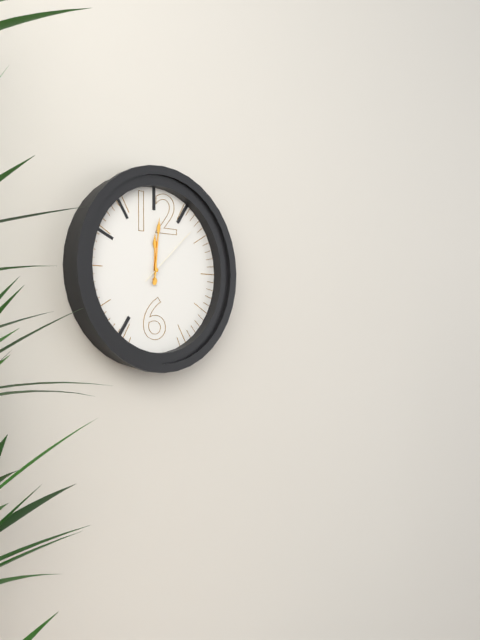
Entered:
12:01:08
